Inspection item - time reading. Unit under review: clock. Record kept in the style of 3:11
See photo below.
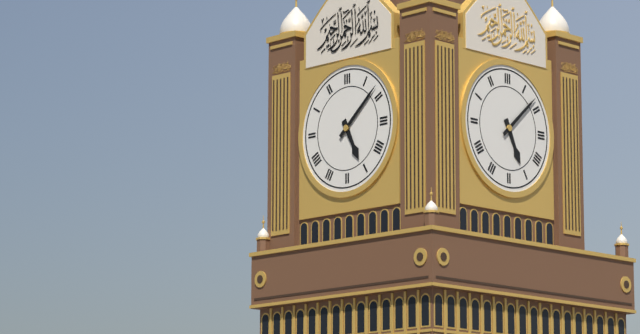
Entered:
5:08
